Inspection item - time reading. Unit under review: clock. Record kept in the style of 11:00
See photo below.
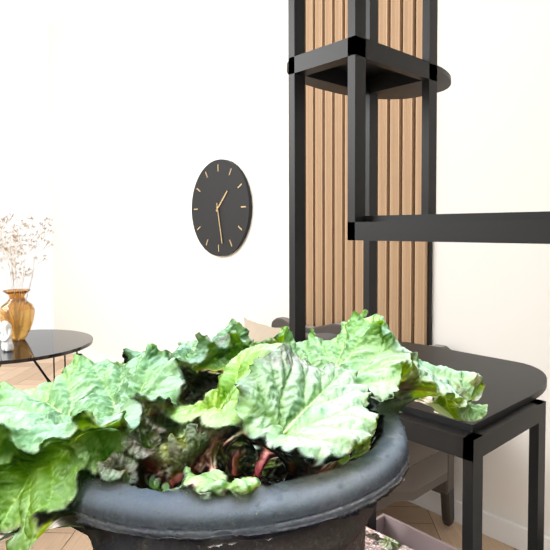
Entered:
1:28
